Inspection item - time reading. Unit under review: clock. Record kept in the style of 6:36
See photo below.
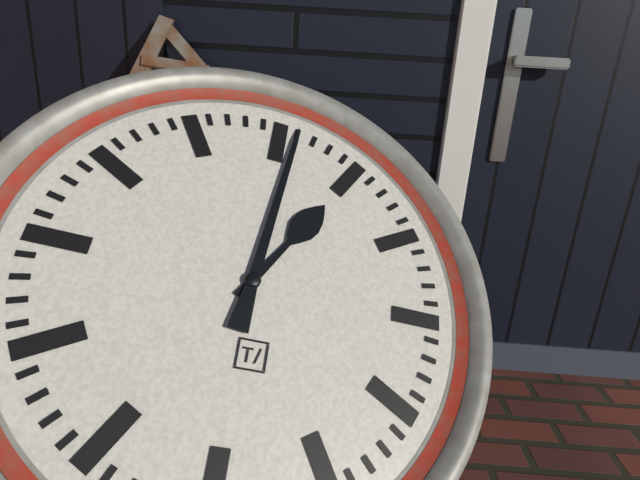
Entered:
1:01
